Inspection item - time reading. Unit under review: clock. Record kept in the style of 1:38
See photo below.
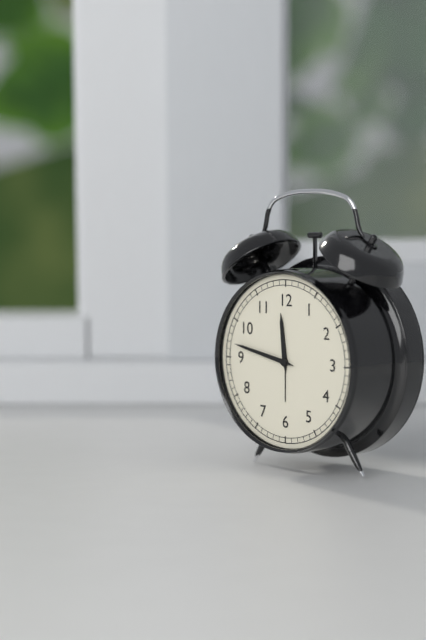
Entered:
11:47
